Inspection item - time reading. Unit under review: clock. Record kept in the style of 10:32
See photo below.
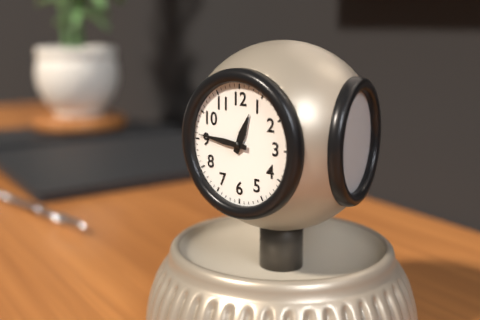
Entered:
12:46
